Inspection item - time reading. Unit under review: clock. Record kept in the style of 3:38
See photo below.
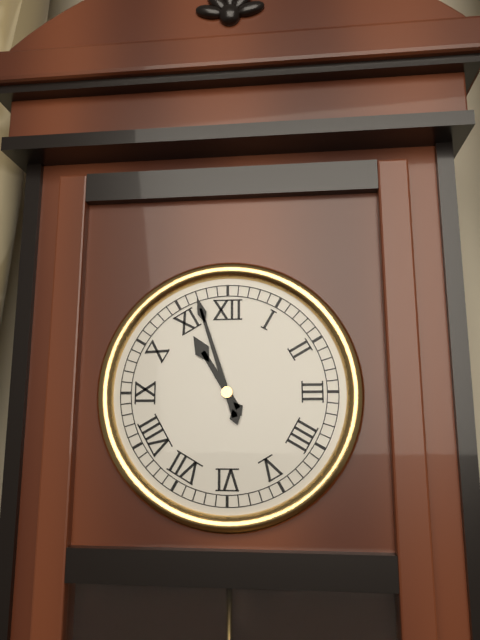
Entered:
10:57
